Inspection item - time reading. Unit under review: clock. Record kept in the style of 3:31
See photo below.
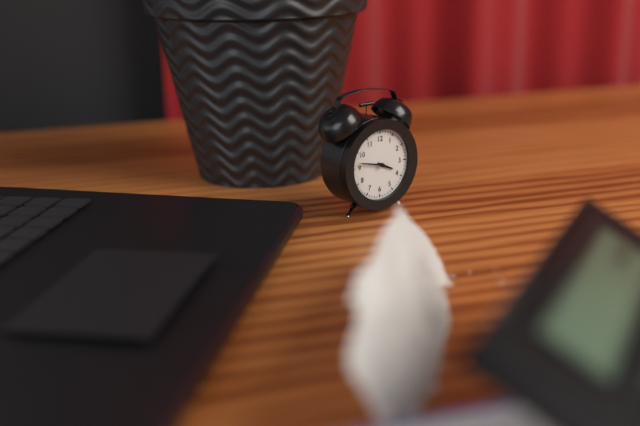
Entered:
3:47
